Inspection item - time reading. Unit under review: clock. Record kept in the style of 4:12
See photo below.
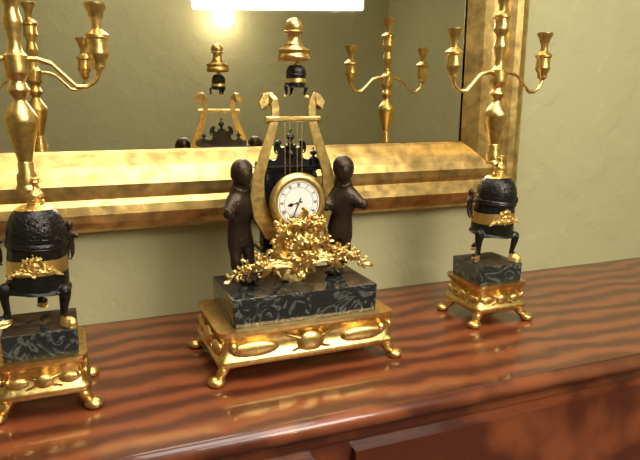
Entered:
8:34
